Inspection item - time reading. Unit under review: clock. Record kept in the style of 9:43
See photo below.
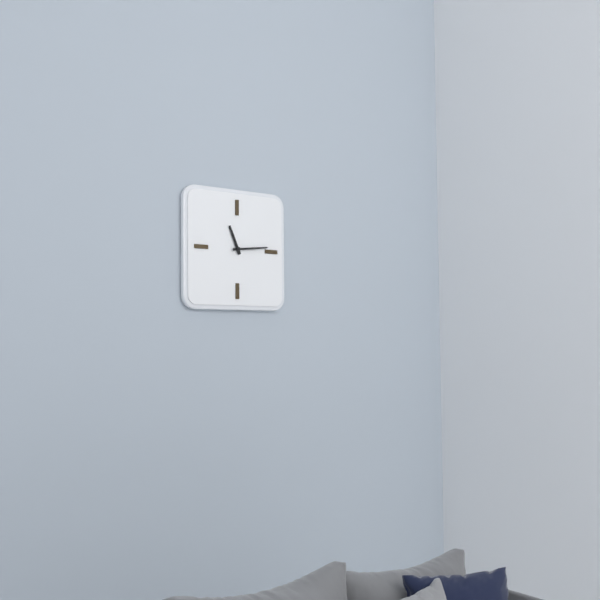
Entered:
11:14
